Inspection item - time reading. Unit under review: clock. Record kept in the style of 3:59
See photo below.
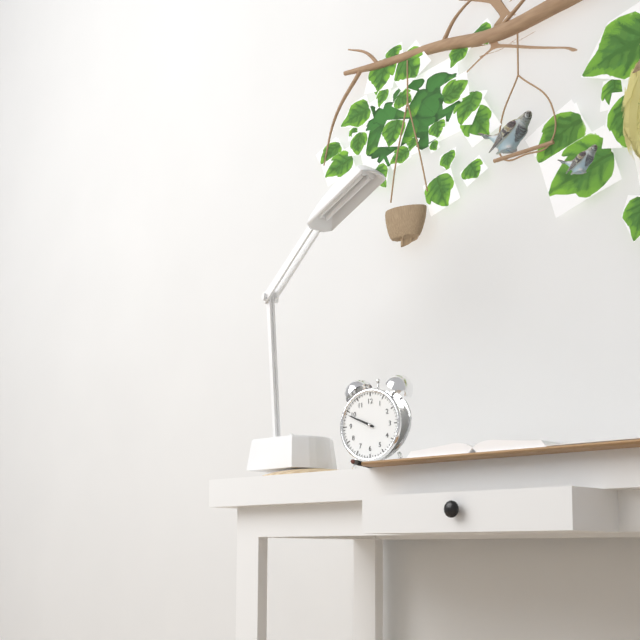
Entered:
9:49
